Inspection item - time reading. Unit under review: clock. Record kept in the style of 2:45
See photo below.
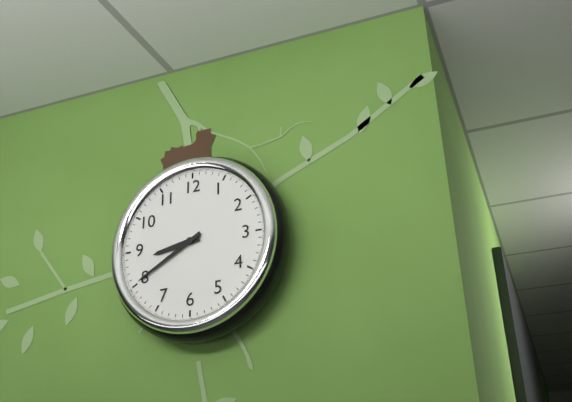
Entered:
8:40
